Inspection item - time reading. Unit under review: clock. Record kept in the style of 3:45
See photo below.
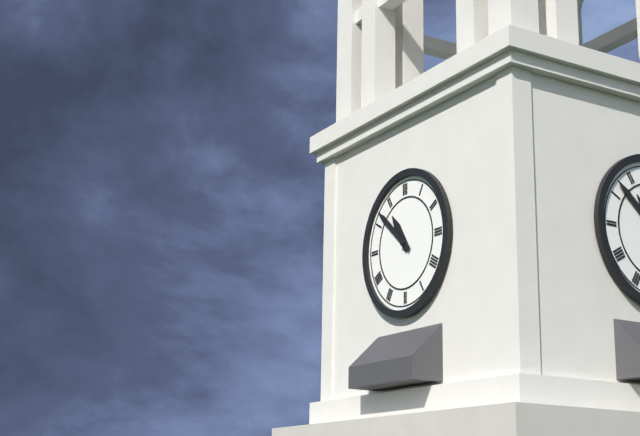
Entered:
10:52
